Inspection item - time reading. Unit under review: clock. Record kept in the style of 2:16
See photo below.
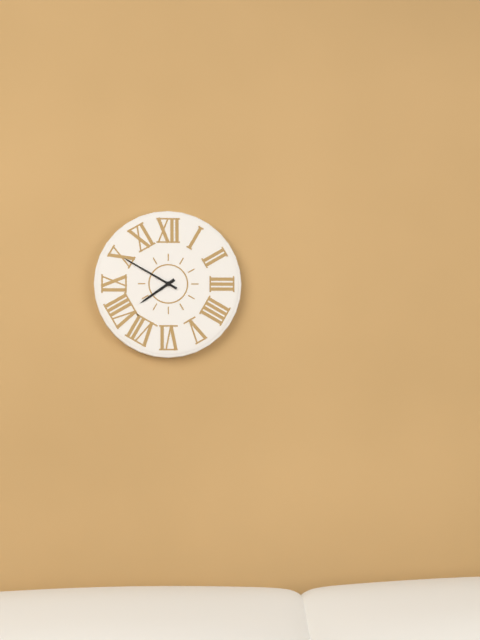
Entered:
7:50
